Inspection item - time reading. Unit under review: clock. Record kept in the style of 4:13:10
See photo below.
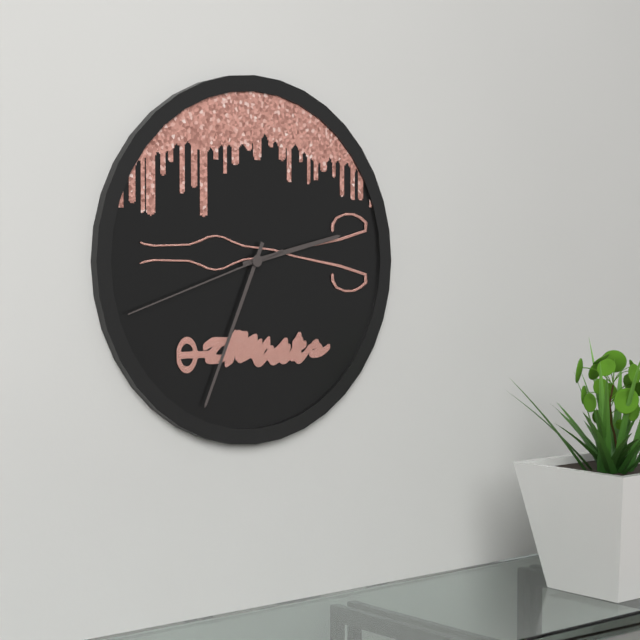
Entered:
2:34:42
